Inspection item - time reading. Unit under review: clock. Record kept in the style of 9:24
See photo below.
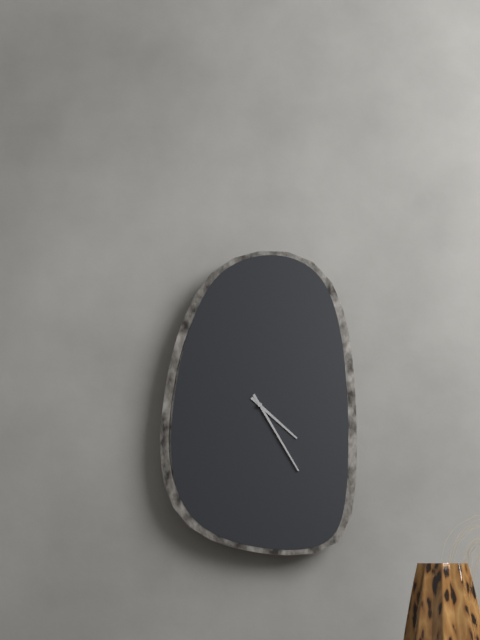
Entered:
4:25
